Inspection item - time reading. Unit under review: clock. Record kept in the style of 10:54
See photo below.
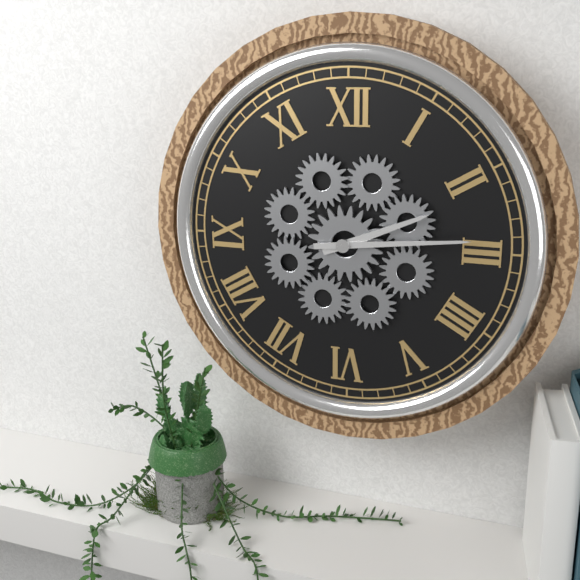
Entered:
2:14
